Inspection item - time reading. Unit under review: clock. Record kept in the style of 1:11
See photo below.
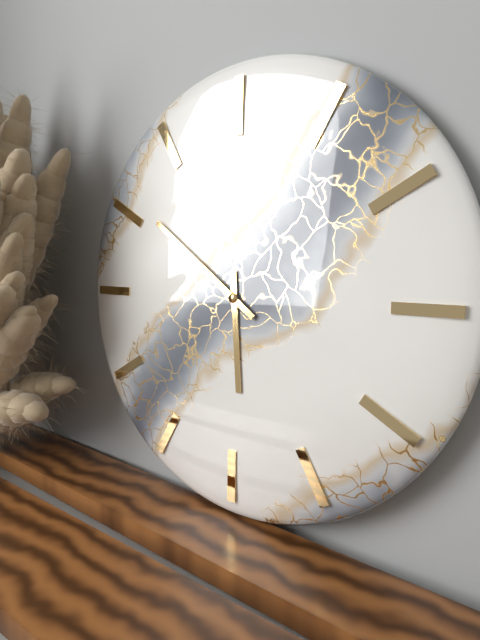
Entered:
5:51
